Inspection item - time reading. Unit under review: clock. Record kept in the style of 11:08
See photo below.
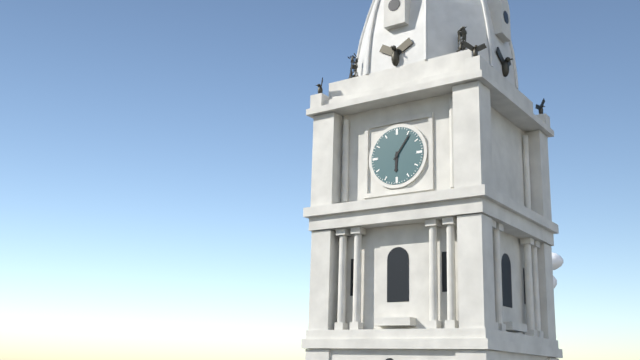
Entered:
6:06
